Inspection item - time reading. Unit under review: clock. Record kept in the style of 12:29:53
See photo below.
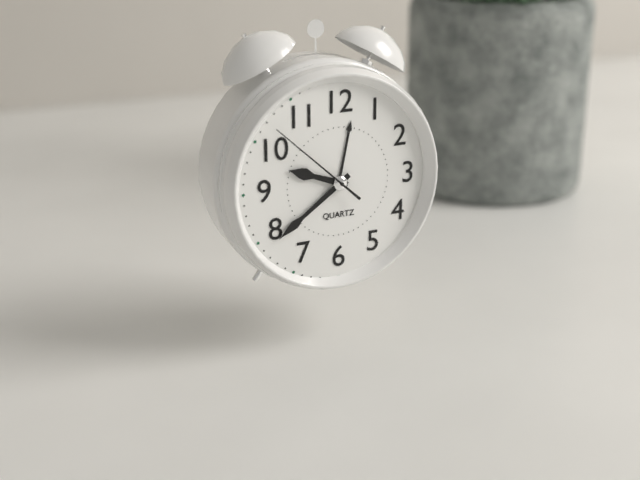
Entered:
9:39:52
